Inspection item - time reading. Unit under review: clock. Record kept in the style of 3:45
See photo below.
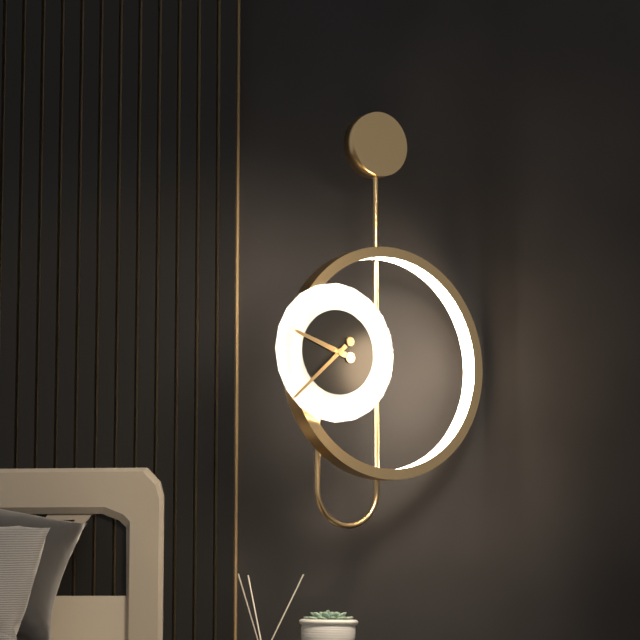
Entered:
9:38
